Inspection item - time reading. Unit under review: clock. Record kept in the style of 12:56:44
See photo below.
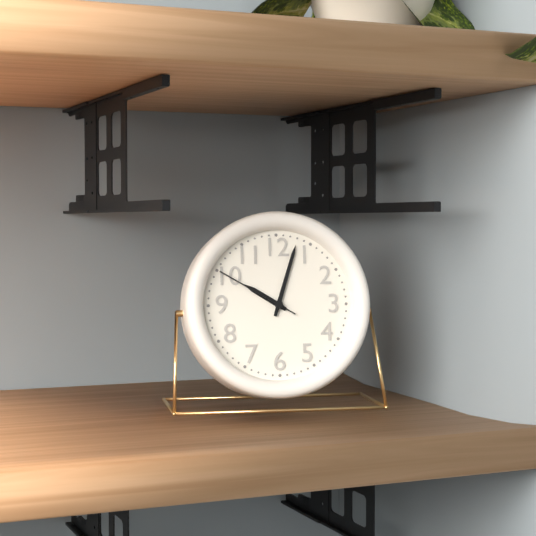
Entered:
10:03:50
